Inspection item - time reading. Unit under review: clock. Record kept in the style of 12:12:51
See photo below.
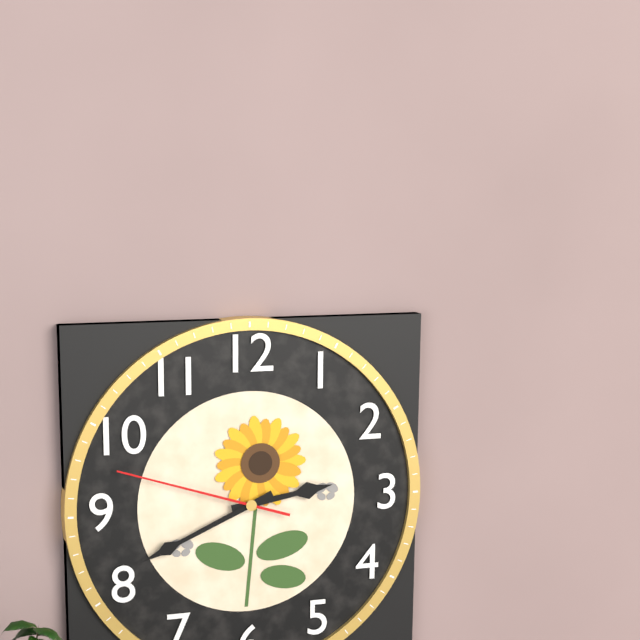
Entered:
2:41:48
